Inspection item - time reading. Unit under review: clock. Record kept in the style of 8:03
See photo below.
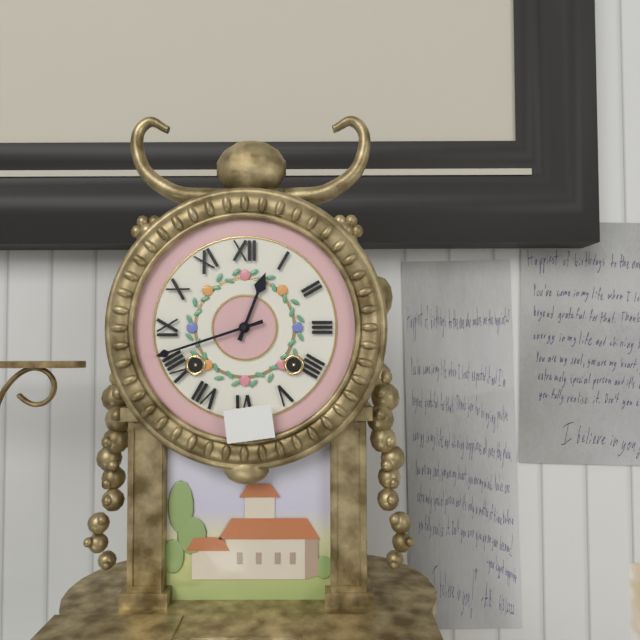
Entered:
12:42
